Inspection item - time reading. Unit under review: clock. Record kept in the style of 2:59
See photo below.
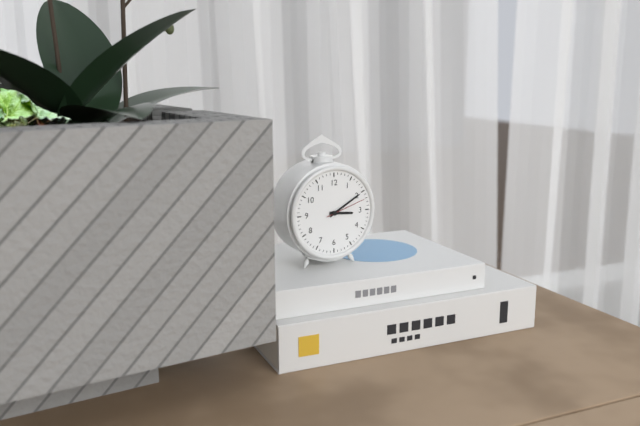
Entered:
3:10
